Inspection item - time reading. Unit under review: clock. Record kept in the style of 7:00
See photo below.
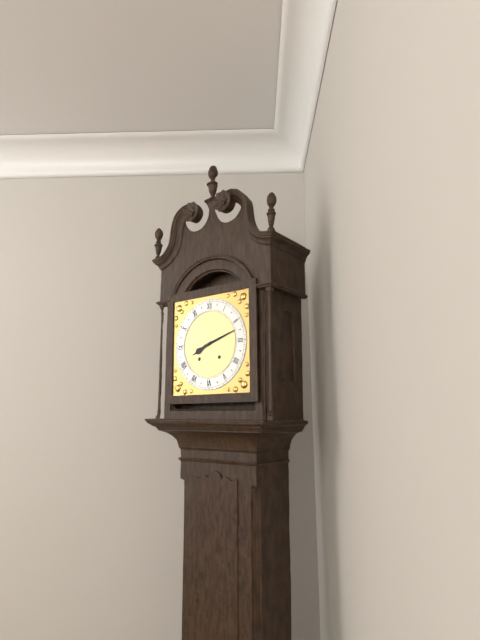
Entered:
8:12
